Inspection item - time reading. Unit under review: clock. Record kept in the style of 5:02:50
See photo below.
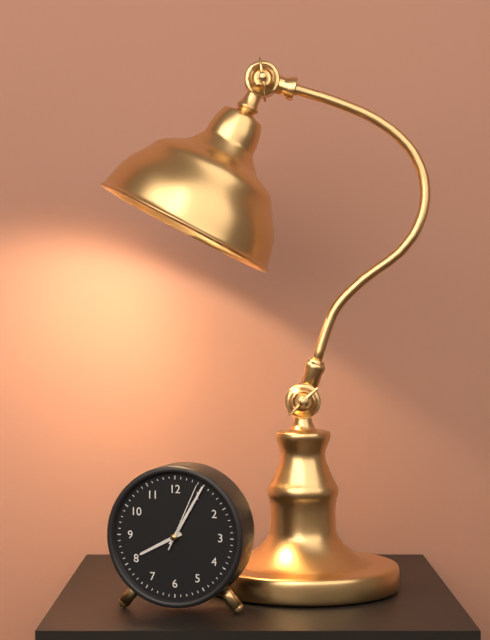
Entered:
8:05:04
